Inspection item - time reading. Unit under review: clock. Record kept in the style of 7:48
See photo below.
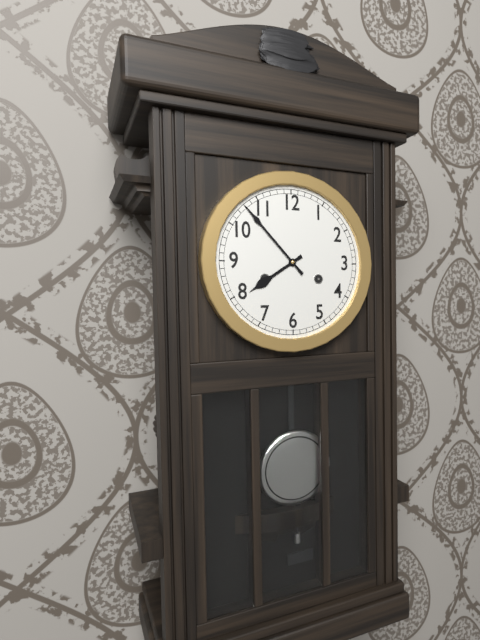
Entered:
7:53
